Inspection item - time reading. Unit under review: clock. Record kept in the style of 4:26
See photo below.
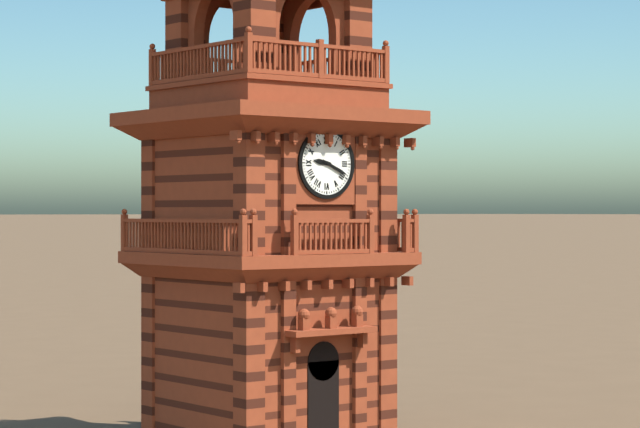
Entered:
9:19
